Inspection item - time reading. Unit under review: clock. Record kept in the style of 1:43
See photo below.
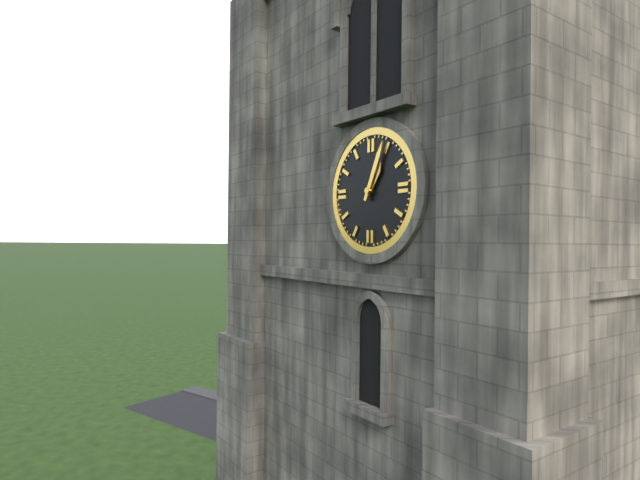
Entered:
1:04
